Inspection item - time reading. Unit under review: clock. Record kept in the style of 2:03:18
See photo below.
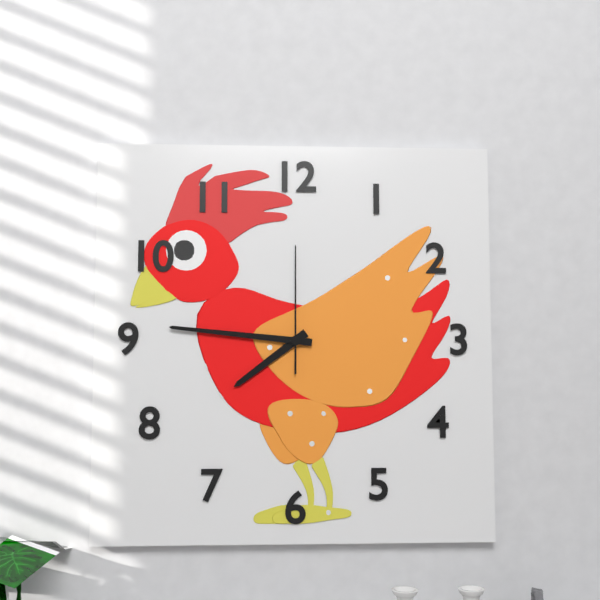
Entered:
7:46:00
